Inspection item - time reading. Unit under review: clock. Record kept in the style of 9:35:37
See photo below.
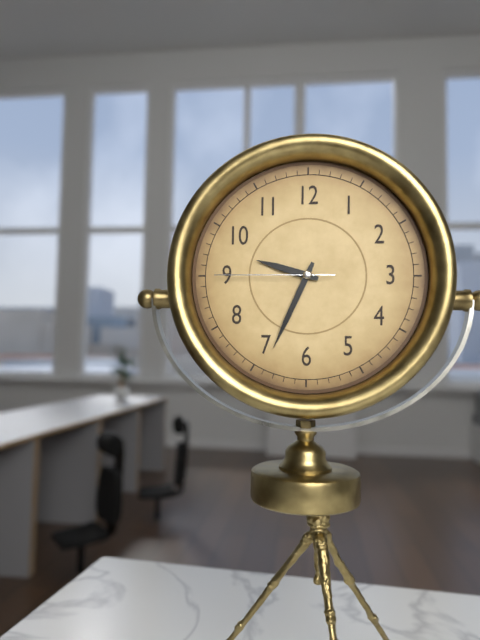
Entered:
9:34:45
